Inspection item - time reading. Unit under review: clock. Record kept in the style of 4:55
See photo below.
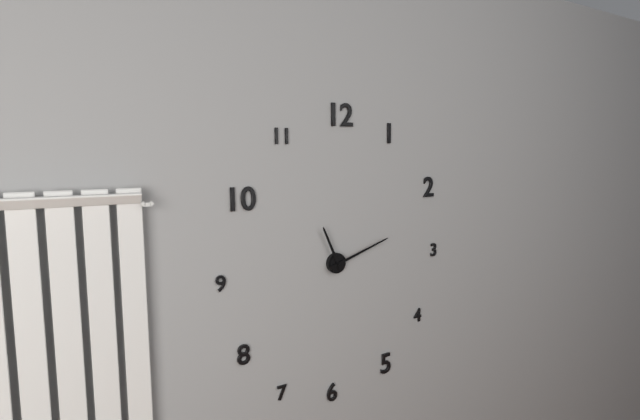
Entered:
11:12
